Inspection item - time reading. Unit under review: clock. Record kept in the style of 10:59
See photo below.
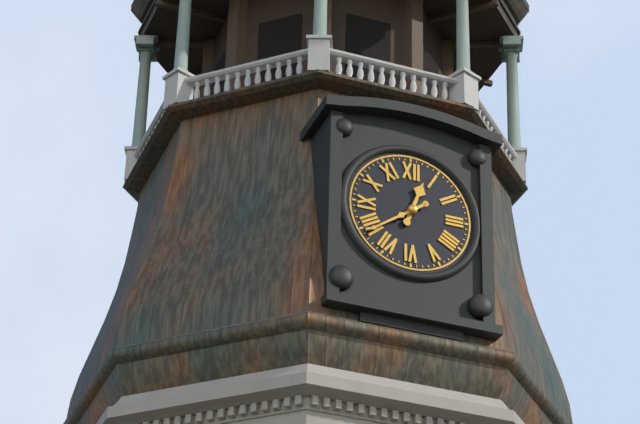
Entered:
12:39
